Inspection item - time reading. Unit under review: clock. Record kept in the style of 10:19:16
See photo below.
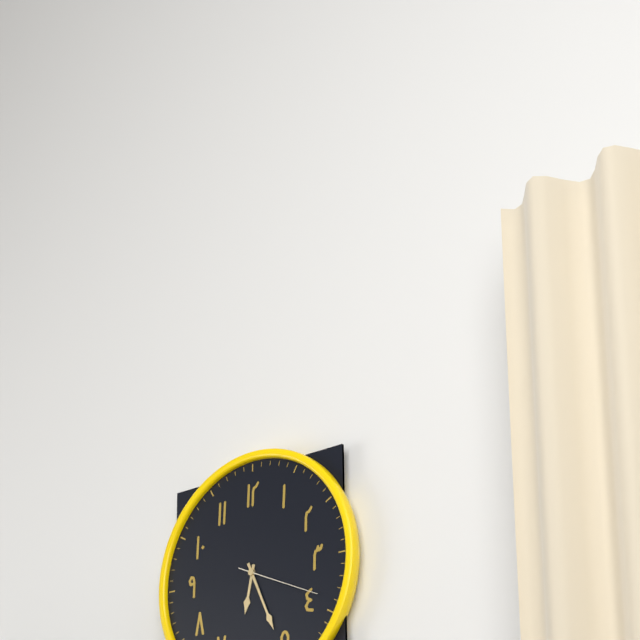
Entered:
6:26:19
